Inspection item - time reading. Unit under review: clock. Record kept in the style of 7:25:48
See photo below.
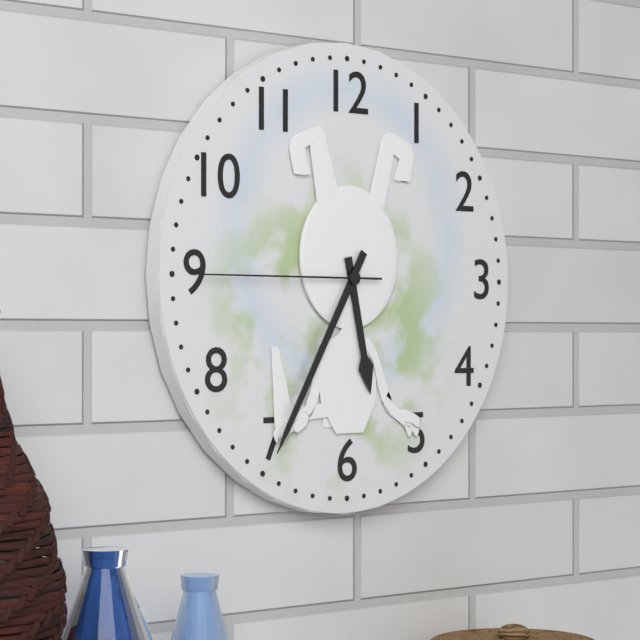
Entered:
5:35:45
